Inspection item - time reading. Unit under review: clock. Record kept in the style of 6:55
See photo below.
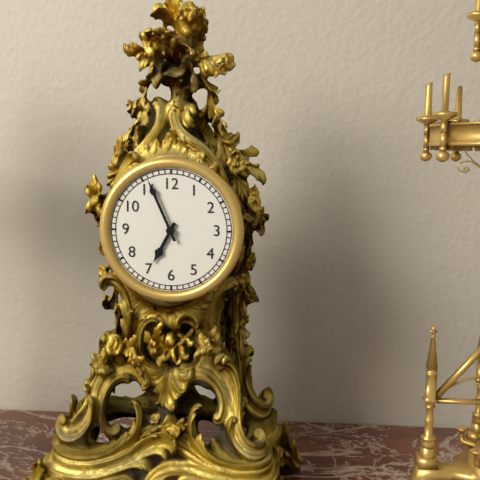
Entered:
6:56
